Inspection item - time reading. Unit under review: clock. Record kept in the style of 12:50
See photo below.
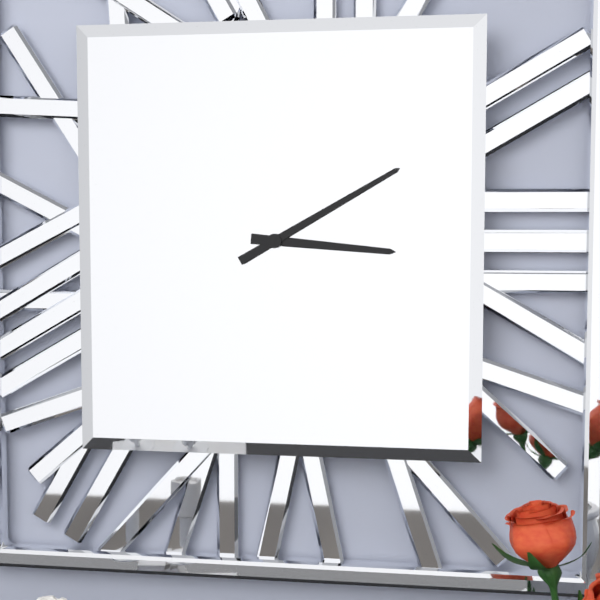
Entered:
3:10
